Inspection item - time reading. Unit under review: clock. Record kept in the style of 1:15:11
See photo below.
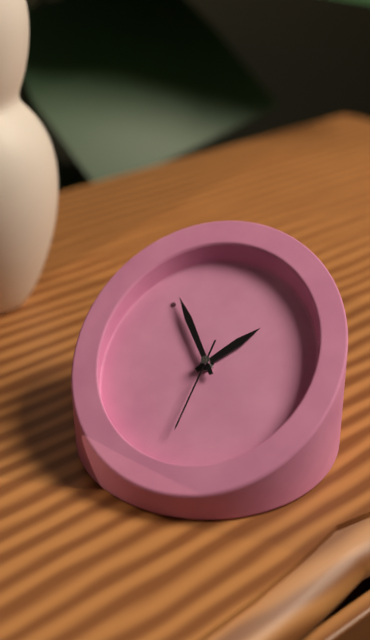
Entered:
4:08:45
